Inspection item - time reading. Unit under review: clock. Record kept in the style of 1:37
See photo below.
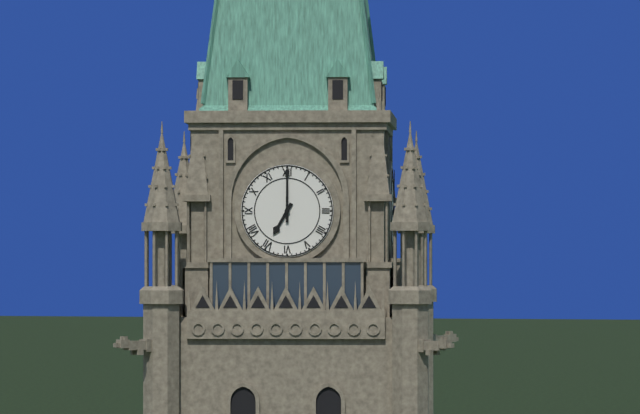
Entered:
7:00
